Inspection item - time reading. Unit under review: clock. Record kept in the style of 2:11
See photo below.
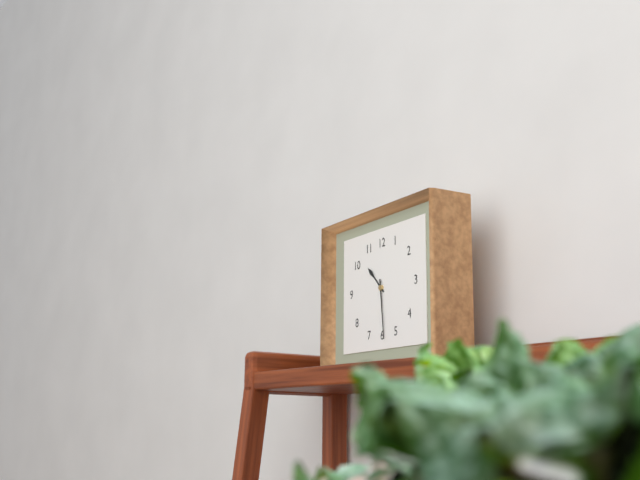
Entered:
10:29
